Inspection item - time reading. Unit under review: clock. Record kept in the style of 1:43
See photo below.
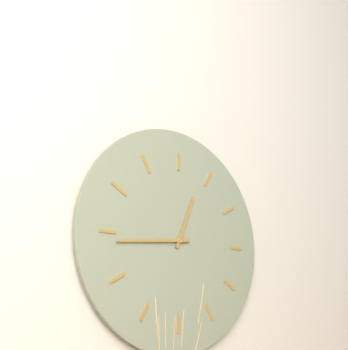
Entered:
12:44
